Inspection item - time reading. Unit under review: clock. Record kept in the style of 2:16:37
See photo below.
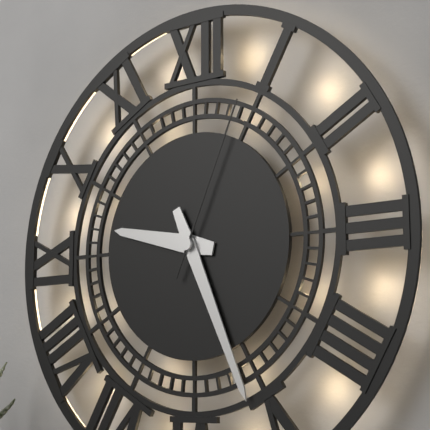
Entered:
9:26:04
